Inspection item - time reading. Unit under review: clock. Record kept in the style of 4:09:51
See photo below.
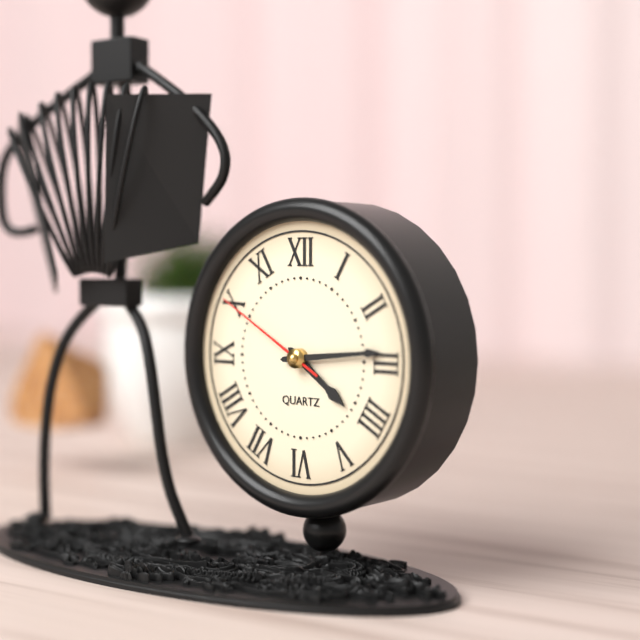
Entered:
4:14:50
